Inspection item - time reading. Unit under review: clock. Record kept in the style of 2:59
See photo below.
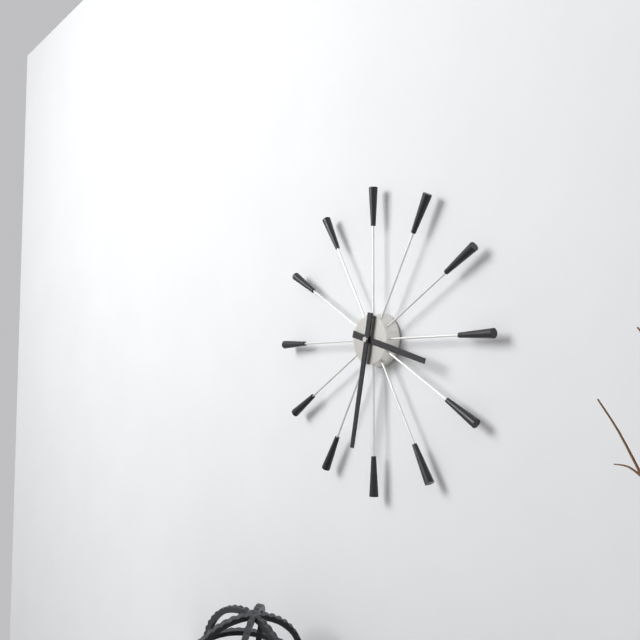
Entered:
3:32
